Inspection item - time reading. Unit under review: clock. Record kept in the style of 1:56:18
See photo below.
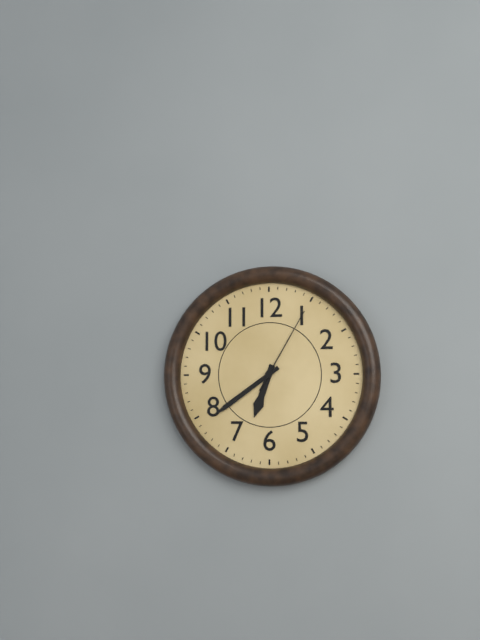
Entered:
6:39:05
